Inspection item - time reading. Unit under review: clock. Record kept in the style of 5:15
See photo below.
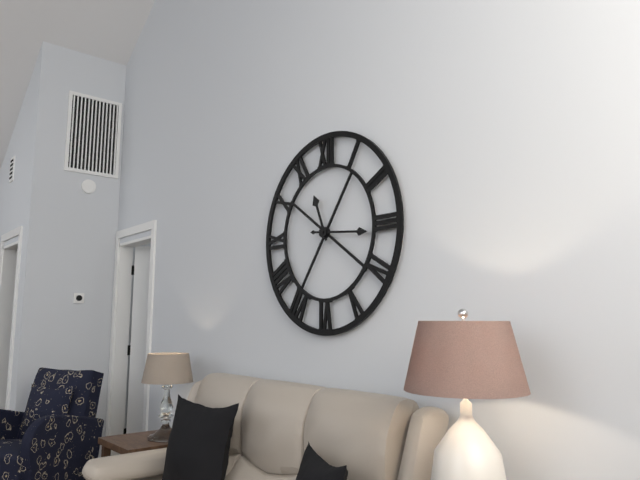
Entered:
11:16
